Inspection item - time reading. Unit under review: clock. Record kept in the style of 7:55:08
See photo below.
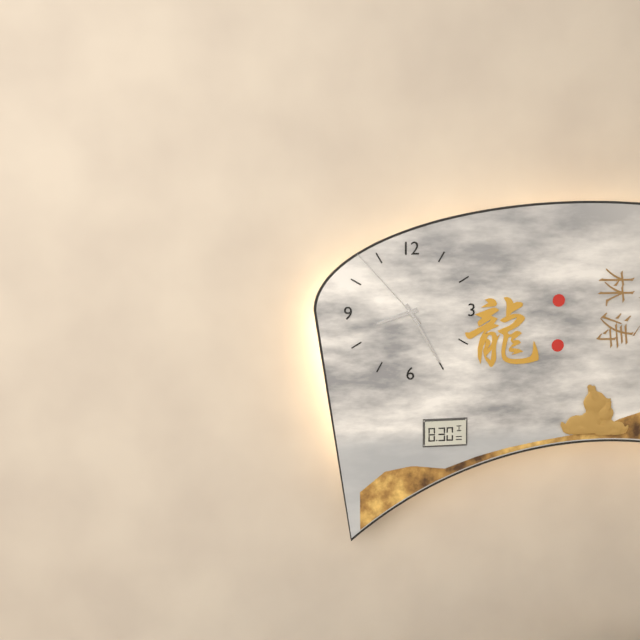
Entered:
8:25:53
